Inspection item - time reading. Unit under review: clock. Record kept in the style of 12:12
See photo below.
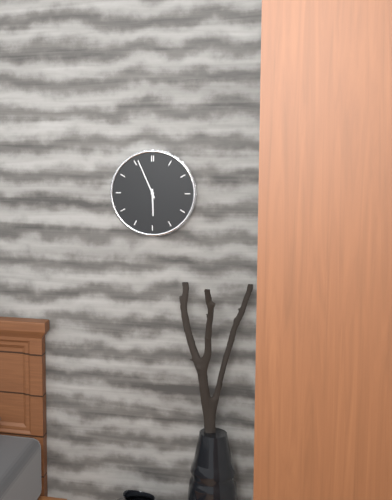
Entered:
5:56
